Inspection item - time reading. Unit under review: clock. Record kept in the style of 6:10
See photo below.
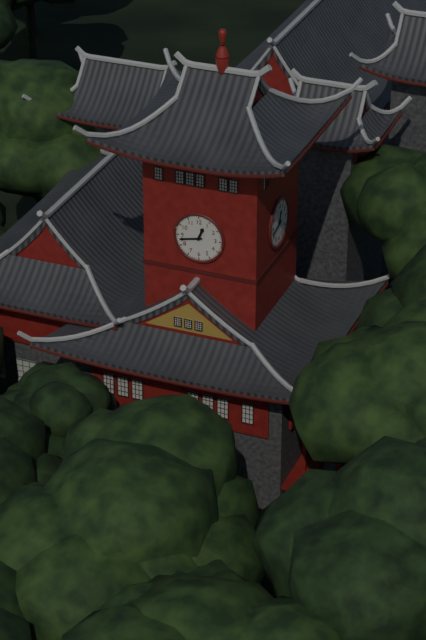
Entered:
12:43
